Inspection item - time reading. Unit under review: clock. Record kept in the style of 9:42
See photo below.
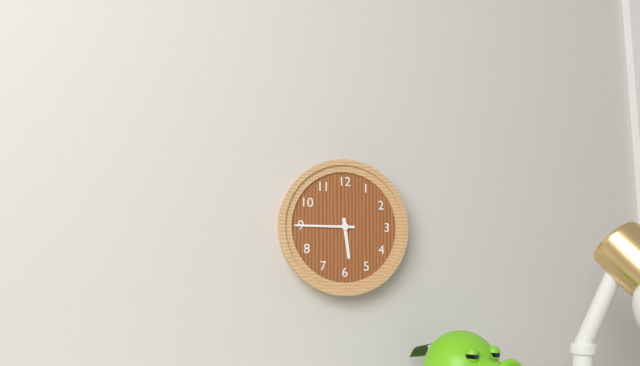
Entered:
5:45
